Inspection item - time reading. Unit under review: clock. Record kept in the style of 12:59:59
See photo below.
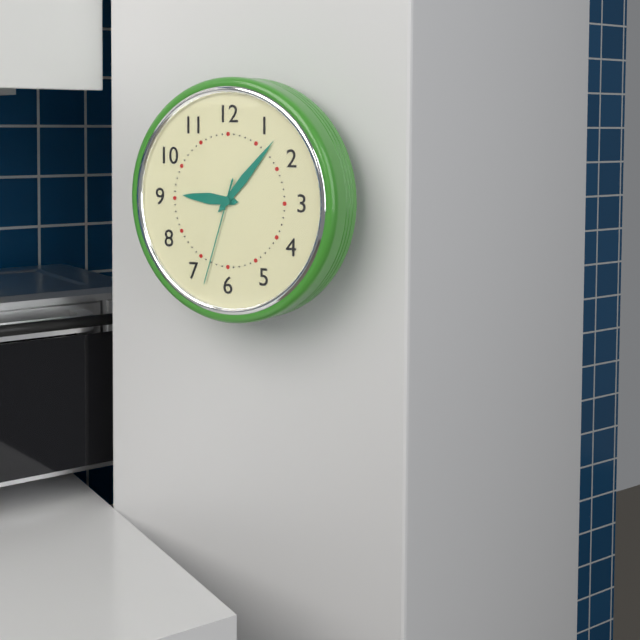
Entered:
9:07:33
